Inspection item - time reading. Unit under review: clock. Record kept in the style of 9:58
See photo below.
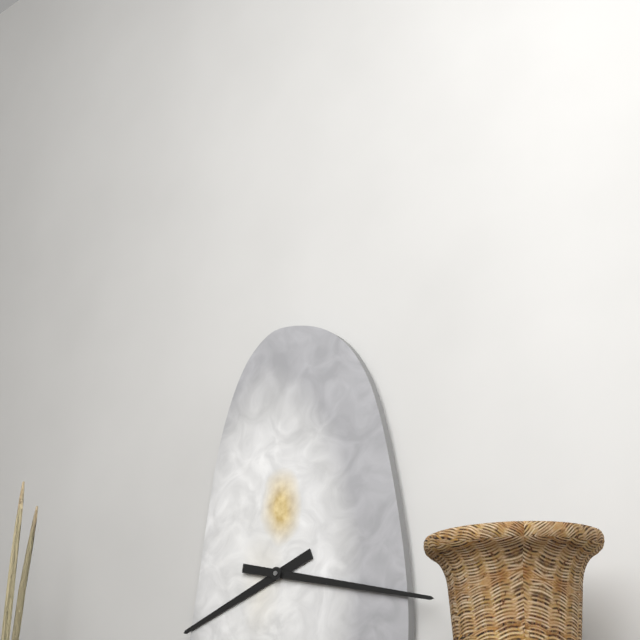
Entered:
8:17
